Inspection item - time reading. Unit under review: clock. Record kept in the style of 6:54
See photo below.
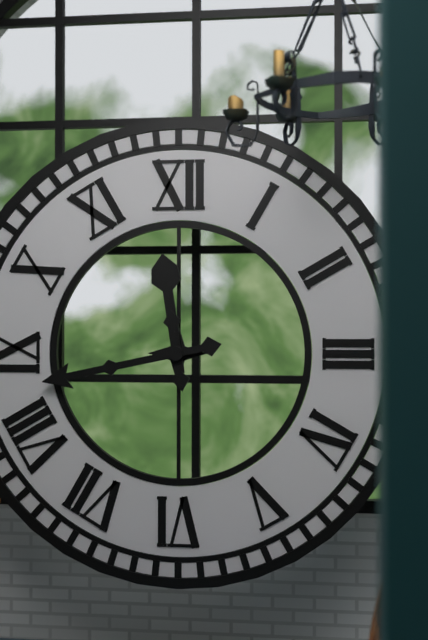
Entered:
11:43
